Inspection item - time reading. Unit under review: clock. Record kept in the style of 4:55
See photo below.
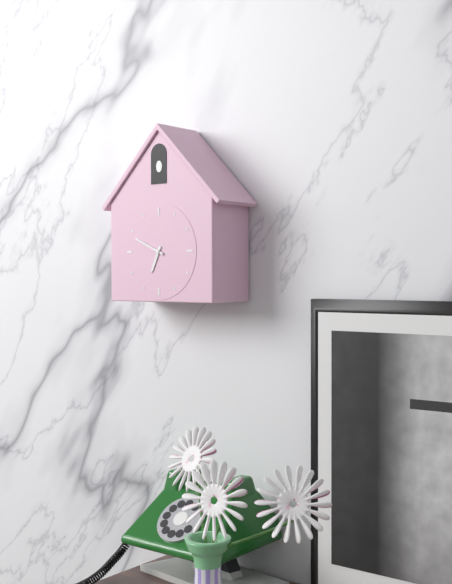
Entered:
6:49
